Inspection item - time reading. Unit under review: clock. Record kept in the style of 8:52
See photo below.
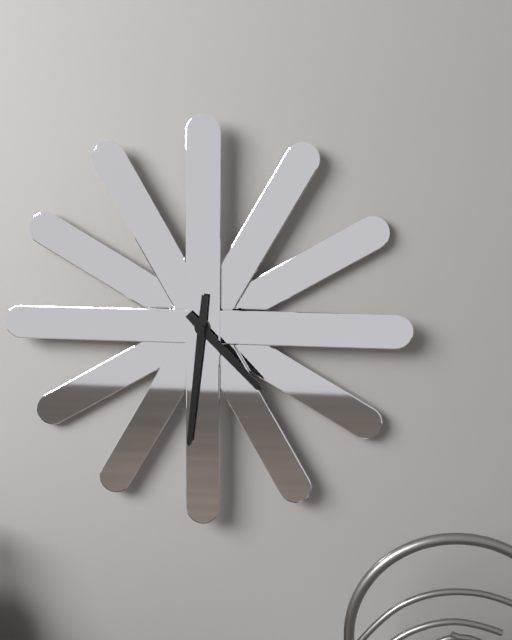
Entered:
4:31
